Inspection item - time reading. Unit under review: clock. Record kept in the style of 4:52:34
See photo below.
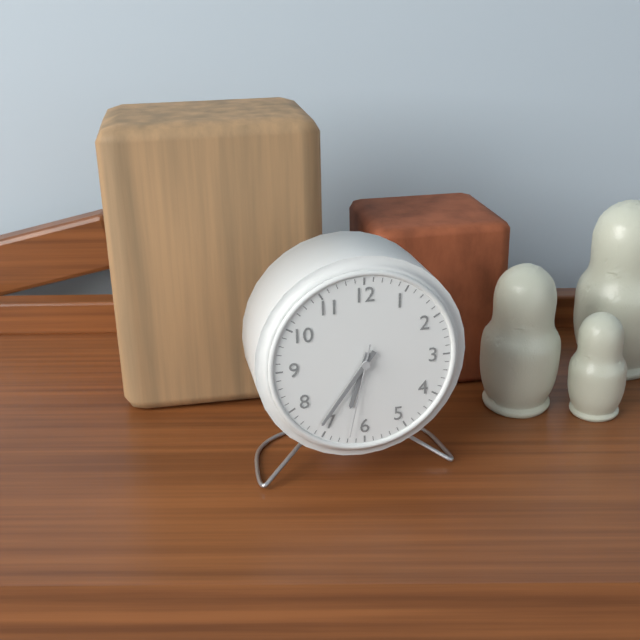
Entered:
6:36:32
